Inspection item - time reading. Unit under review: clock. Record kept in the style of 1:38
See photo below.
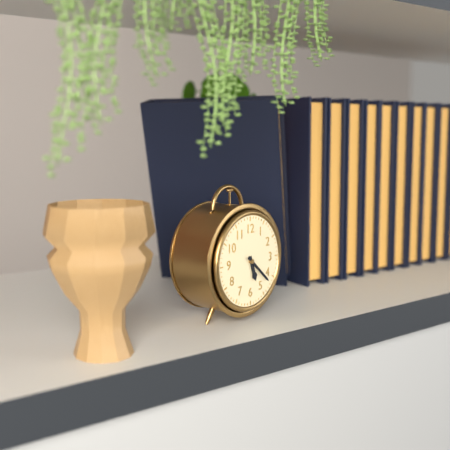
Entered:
5:22
